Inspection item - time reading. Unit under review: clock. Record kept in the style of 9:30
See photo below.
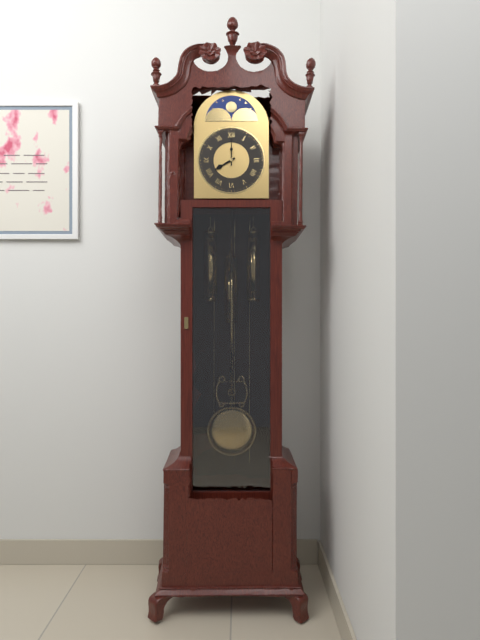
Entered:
8:00
